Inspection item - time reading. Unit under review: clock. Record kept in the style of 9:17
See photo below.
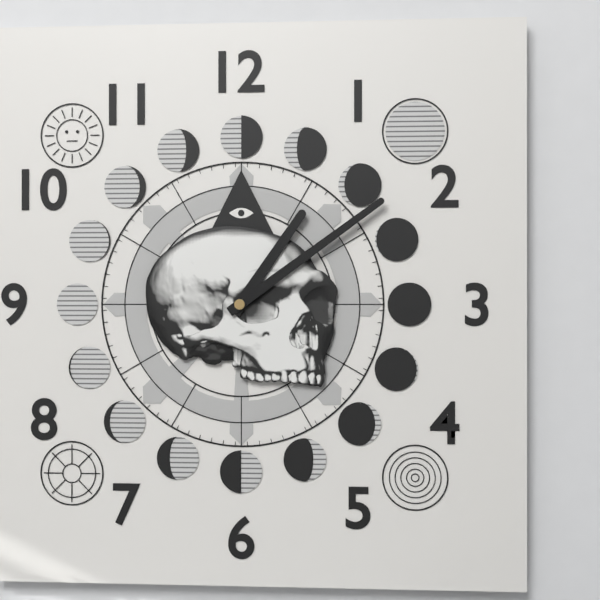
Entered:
1:09
